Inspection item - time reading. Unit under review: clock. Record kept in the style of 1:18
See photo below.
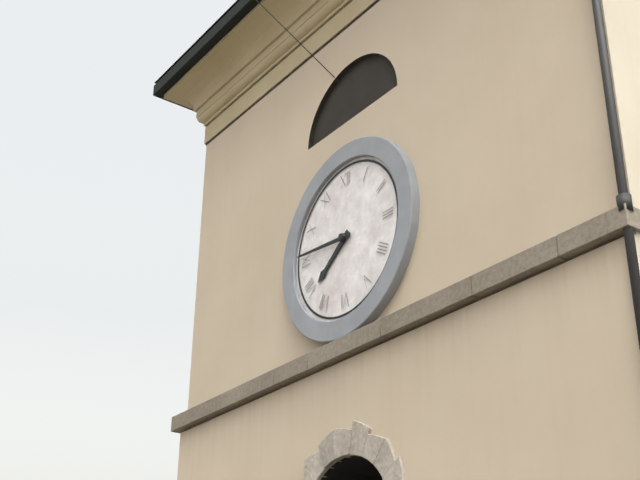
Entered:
7:46
